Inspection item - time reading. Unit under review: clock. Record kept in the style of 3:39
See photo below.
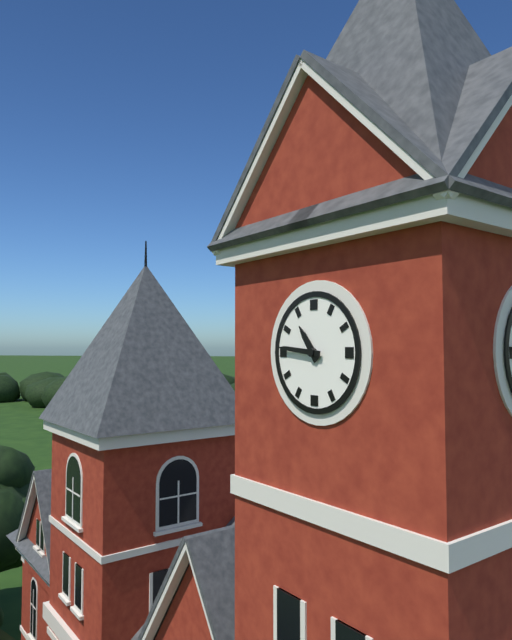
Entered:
10:46
